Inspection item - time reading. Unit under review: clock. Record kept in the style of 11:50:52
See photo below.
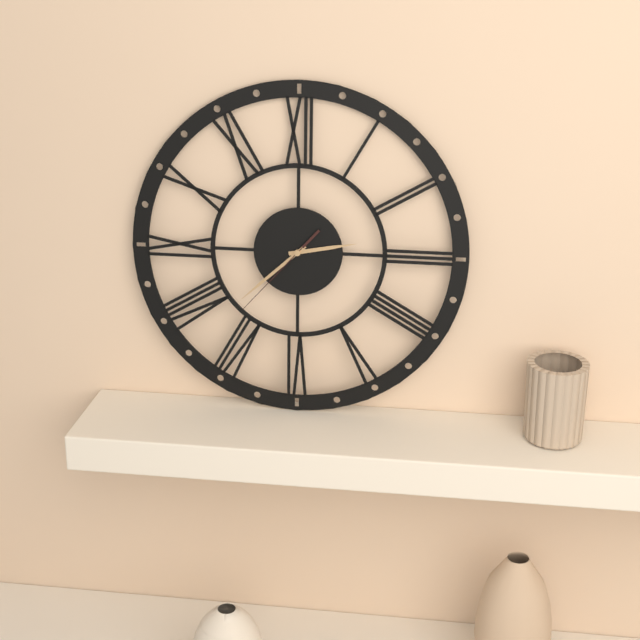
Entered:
2:38:37
